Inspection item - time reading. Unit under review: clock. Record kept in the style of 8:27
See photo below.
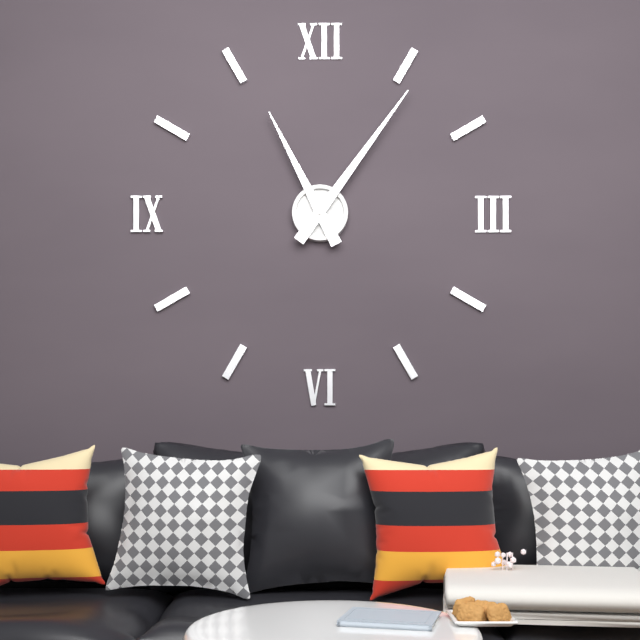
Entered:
11:06
